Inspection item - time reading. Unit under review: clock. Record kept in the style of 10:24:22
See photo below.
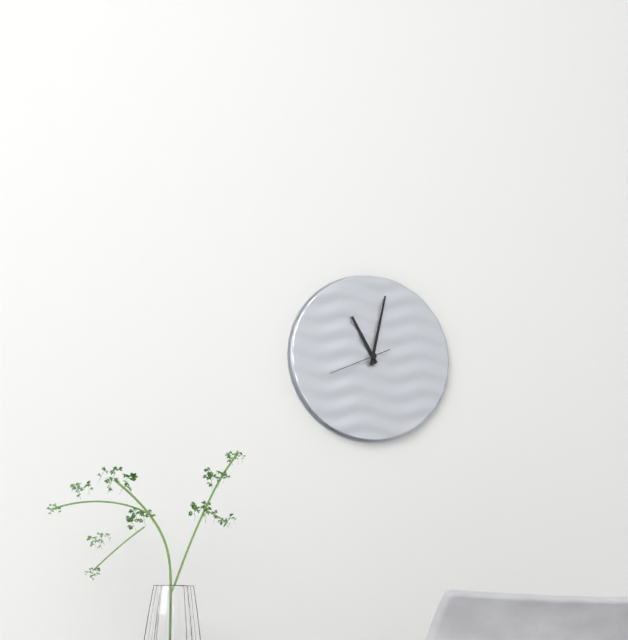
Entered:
11:02:41
